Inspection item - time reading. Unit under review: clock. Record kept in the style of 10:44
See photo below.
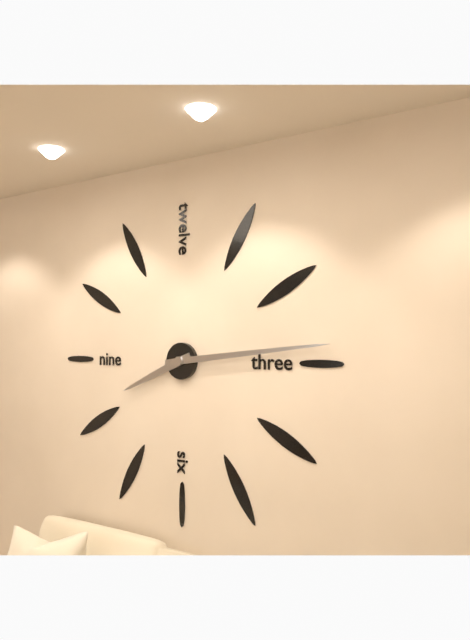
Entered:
8:14
